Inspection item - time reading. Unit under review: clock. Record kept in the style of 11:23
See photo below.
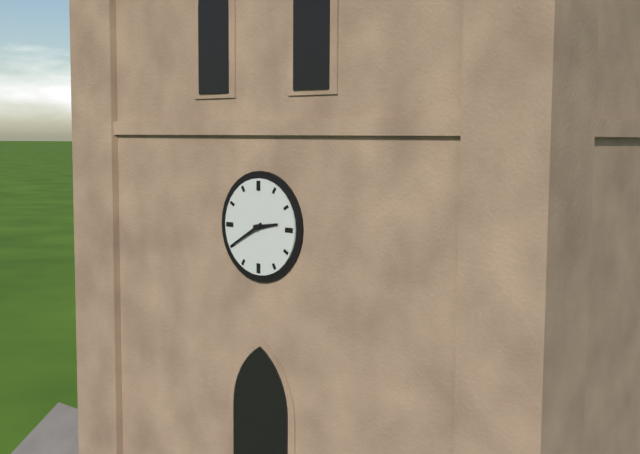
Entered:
2:40
